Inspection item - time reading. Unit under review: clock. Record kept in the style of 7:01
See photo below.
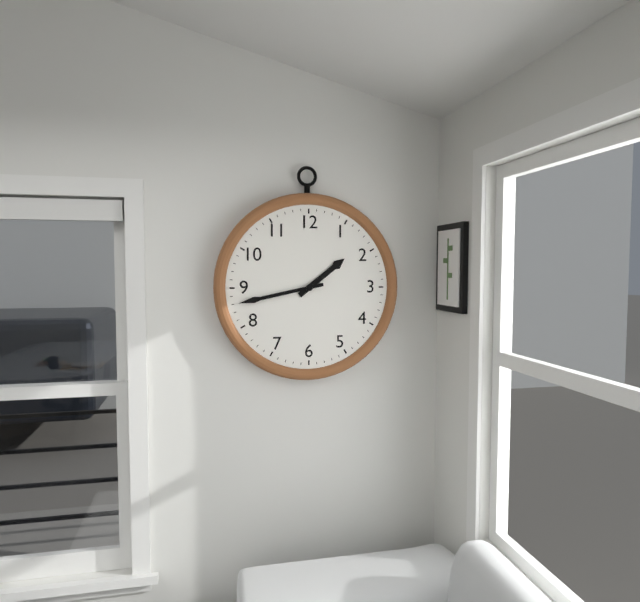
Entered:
1:43
